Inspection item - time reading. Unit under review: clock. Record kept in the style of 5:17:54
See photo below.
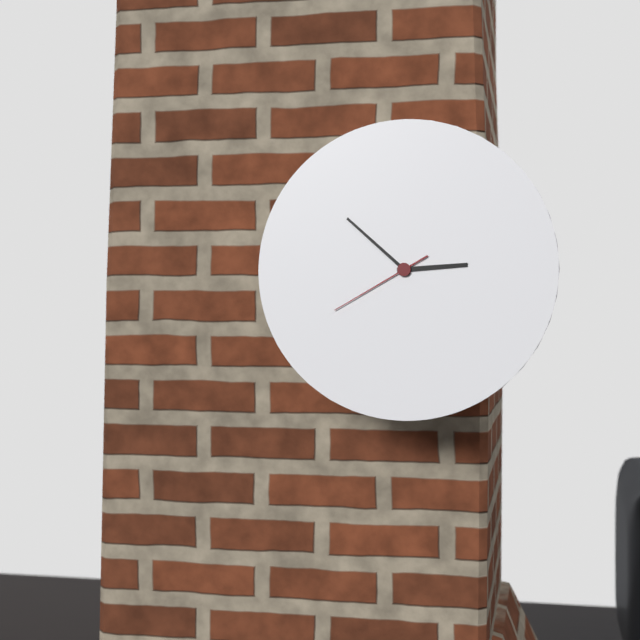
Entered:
2:52:40
